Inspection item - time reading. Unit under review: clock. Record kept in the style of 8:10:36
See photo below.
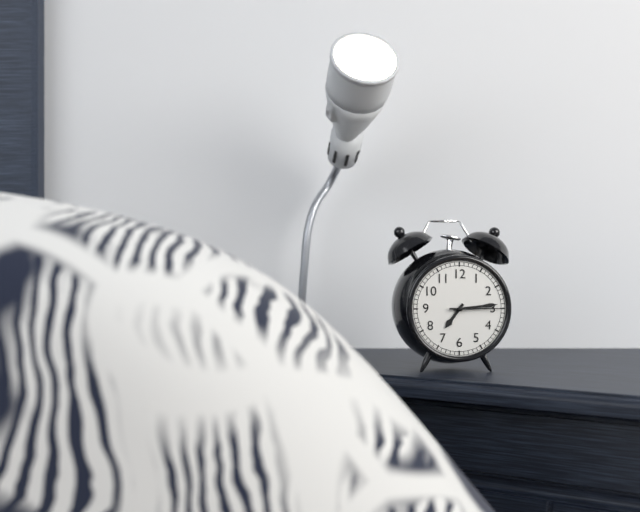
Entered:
7:14:15
